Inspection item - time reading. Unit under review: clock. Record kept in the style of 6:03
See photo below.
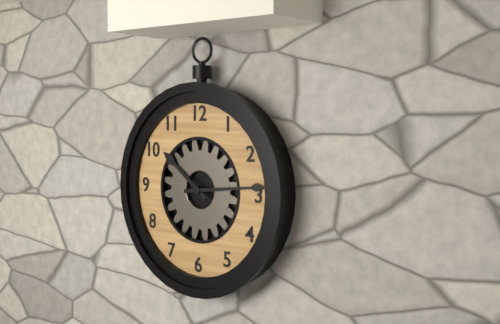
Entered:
10:14
